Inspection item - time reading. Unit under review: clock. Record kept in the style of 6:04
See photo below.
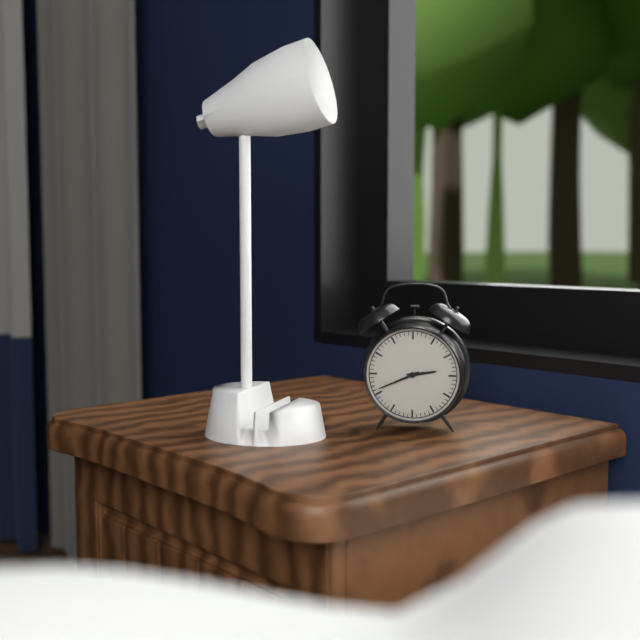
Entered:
2:41
